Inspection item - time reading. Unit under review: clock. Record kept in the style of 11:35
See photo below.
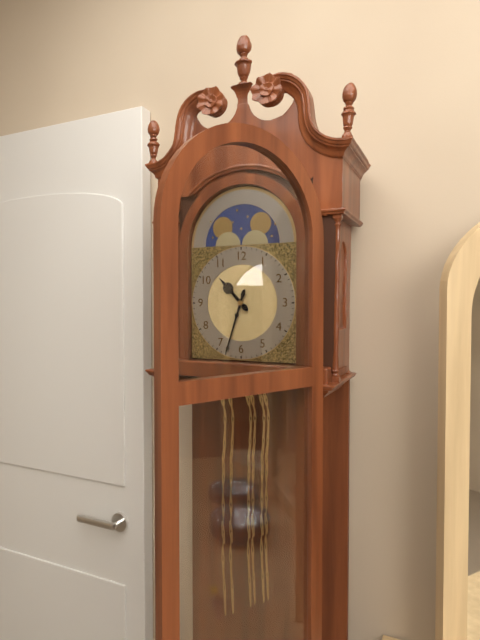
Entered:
10:33
